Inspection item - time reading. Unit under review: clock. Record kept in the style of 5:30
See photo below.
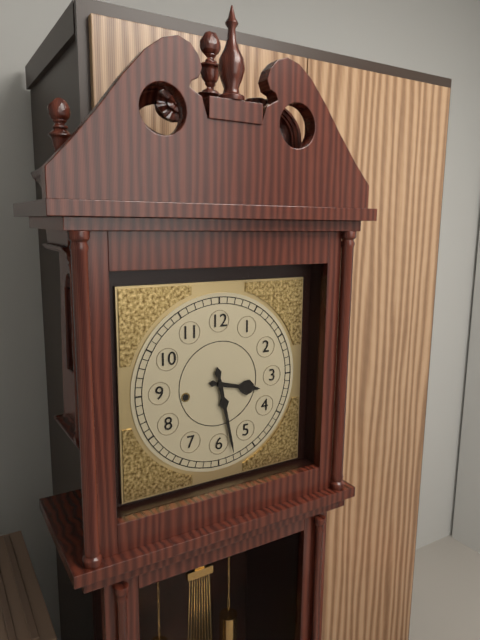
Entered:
3:28
